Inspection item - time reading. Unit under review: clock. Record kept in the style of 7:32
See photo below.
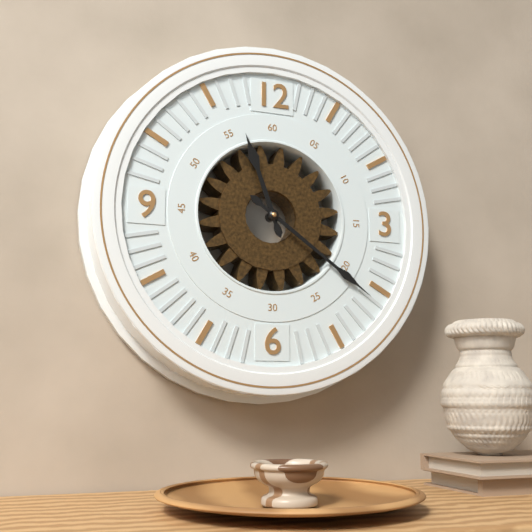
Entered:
11:21
